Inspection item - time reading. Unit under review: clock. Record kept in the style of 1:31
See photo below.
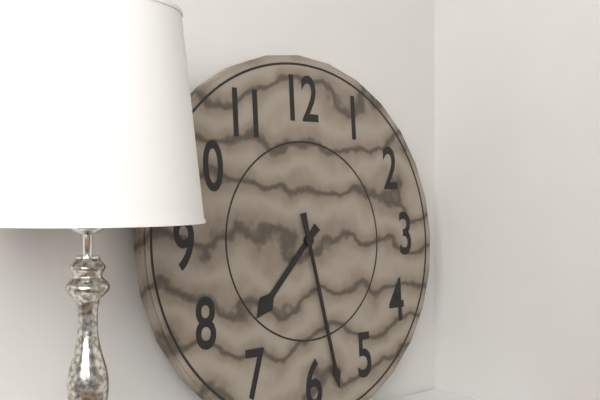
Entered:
7:28
